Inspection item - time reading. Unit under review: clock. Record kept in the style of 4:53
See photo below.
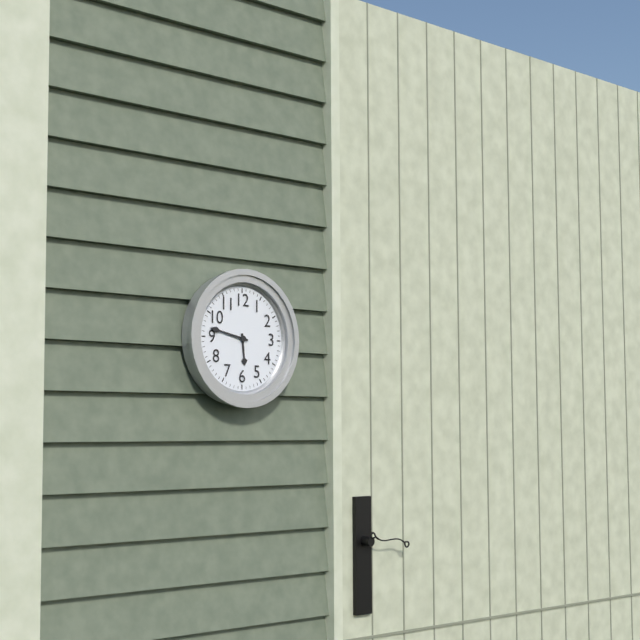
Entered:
5:47
